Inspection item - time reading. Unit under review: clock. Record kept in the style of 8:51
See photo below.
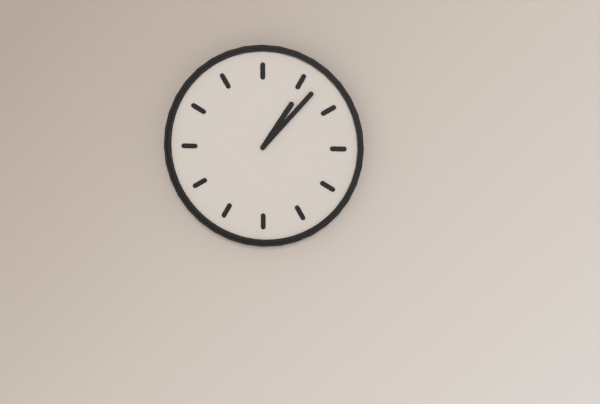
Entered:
1:07
